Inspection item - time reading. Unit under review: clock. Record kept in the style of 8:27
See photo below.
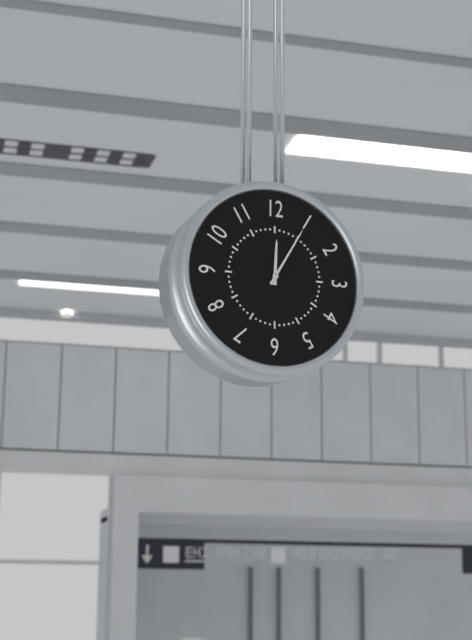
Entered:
12:05
